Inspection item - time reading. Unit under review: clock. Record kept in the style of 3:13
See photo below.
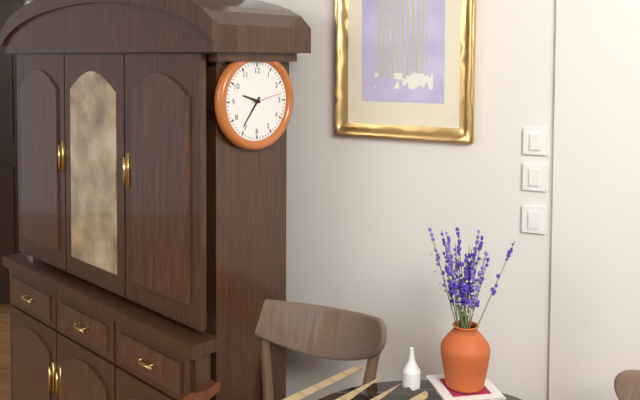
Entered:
9:36
